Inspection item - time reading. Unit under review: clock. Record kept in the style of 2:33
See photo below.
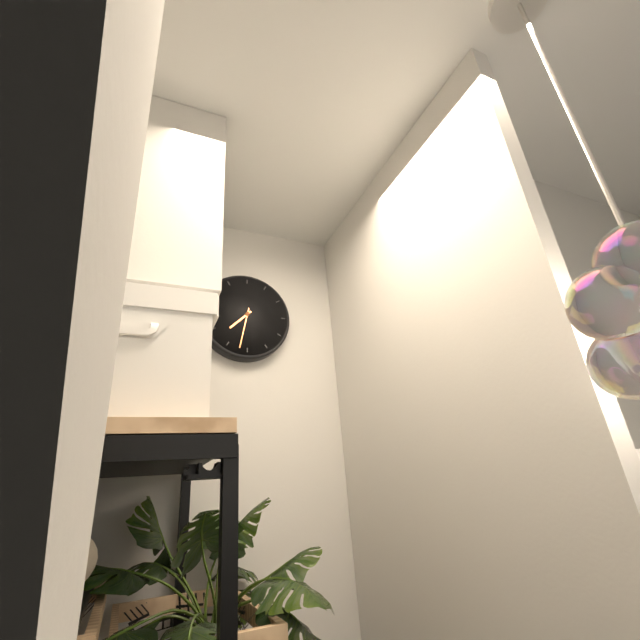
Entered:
7:32
